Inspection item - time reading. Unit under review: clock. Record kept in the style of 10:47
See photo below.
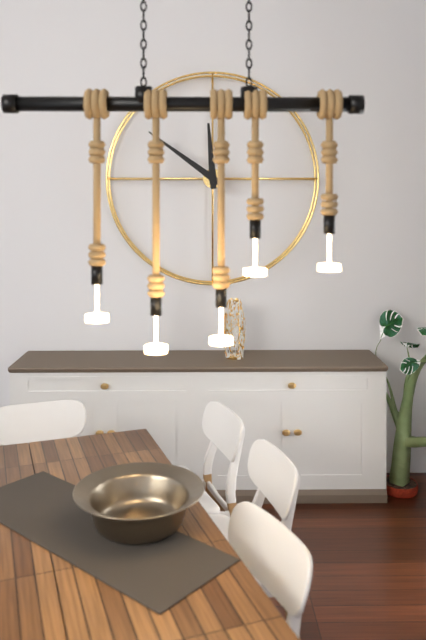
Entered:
11:51
